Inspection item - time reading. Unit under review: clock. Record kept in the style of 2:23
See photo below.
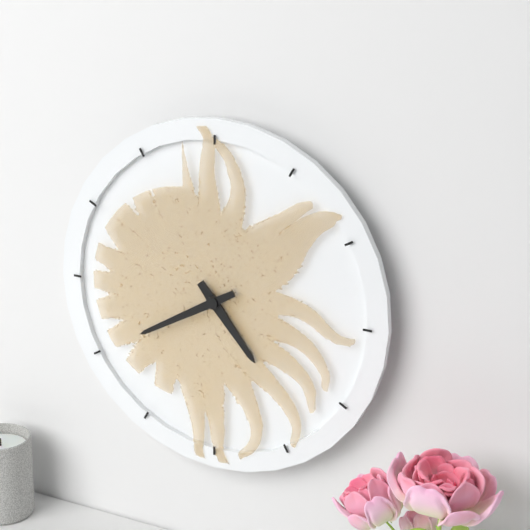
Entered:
4:40
